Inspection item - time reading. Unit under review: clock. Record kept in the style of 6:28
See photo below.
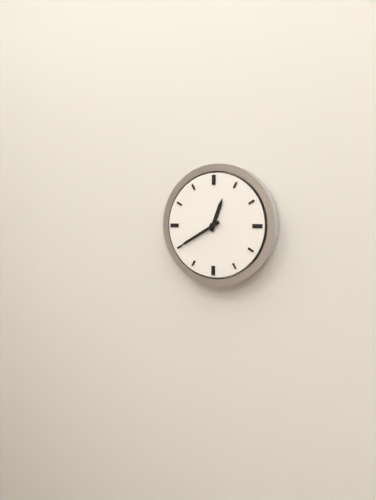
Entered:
12:40
